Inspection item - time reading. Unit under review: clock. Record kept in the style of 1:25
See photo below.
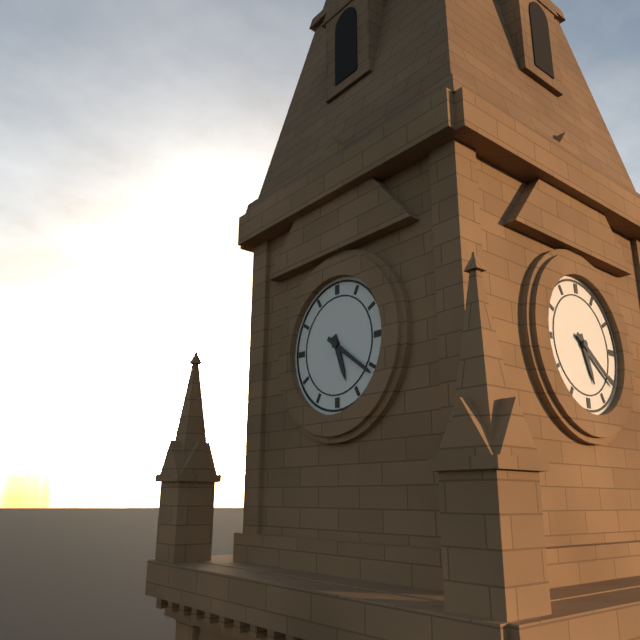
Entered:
5:21
